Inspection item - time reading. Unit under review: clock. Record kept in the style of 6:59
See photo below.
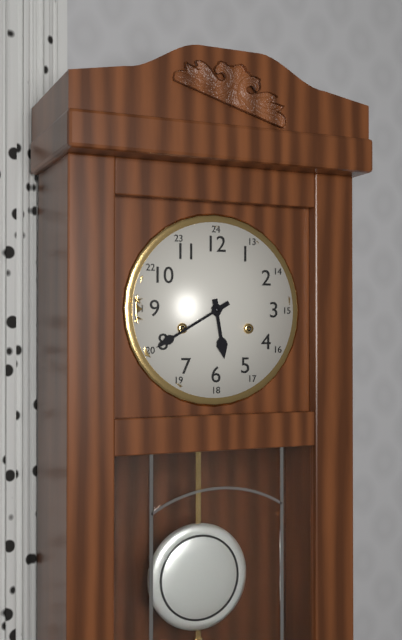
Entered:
5:40
